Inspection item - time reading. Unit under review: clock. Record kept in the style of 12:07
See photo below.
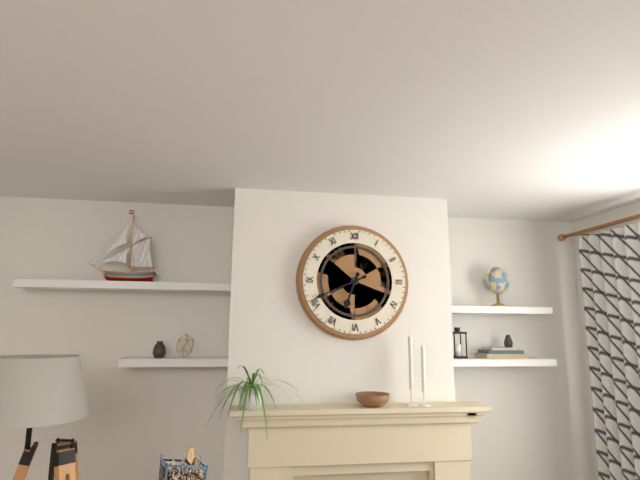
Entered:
6:41
